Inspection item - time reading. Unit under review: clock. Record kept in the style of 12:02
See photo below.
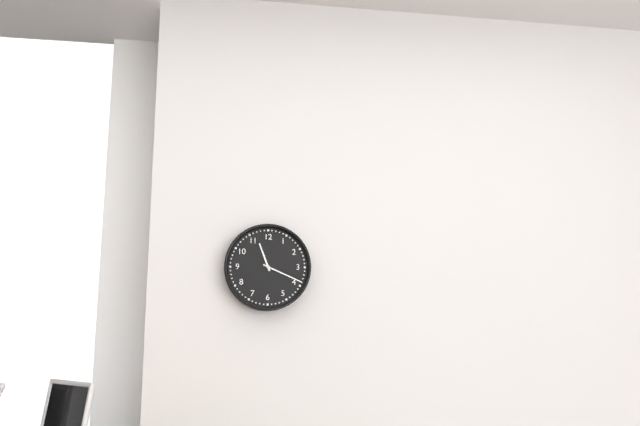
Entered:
11:19
